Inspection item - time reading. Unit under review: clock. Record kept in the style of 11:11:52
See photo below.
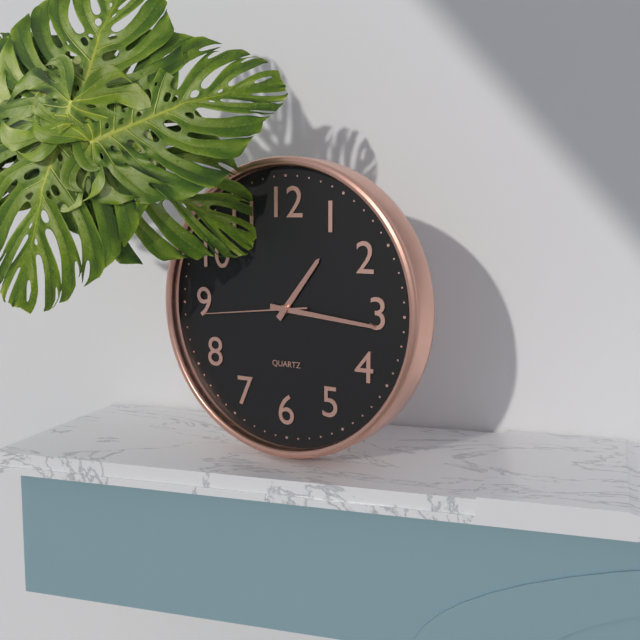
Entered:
1:16:44
